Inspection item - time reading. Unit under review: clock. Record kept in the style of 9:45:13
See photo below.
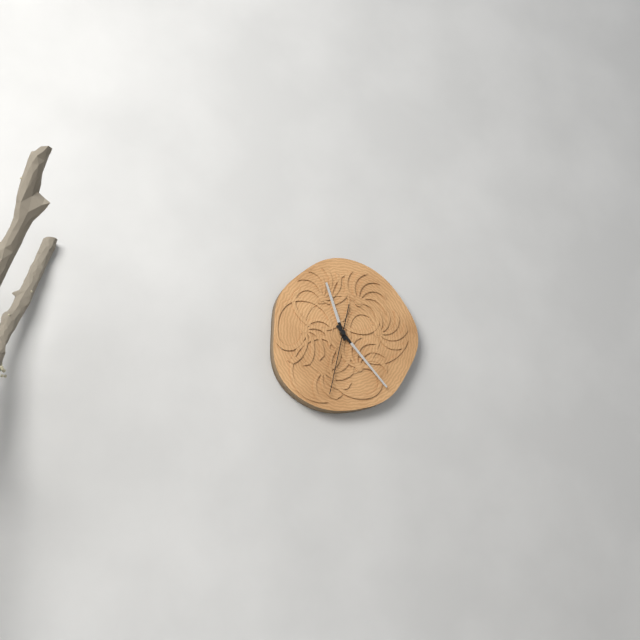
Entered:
11:23:32
